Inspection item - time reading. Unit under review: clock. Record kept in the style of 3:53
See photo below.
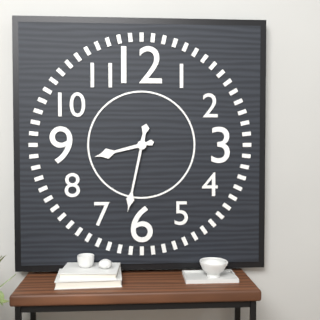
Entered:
8:32
